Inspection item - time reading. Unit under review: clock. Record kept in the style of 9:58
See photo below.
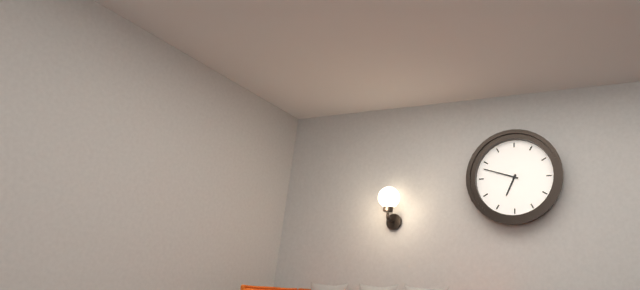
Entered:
6:48
